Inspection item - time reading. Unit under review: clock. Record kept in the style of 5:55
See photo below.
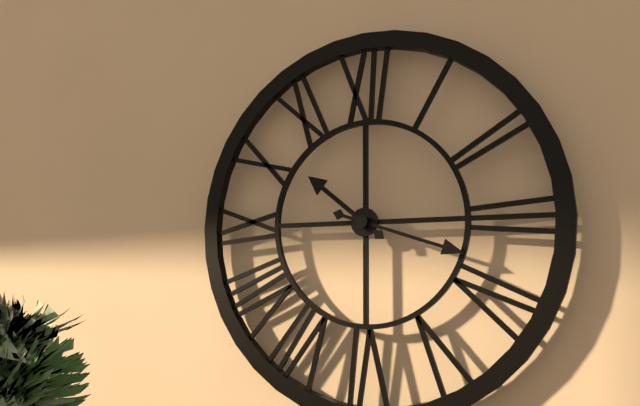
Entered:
10:18
